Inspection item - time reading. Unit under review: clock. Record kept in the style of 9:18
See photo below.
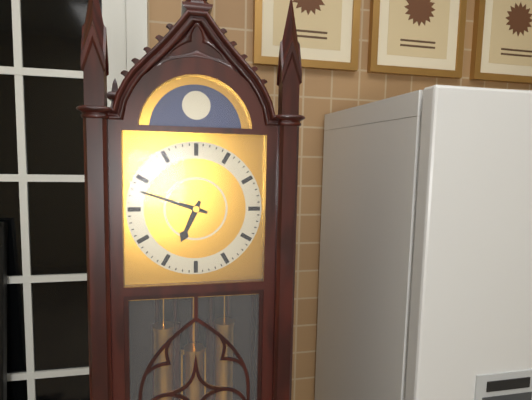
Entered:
6:48
